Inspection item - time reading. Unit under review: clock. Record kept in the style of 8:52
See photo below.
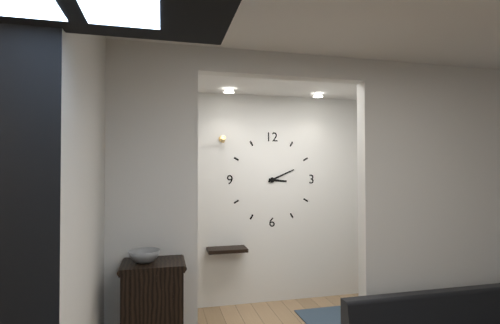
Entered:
3:11
